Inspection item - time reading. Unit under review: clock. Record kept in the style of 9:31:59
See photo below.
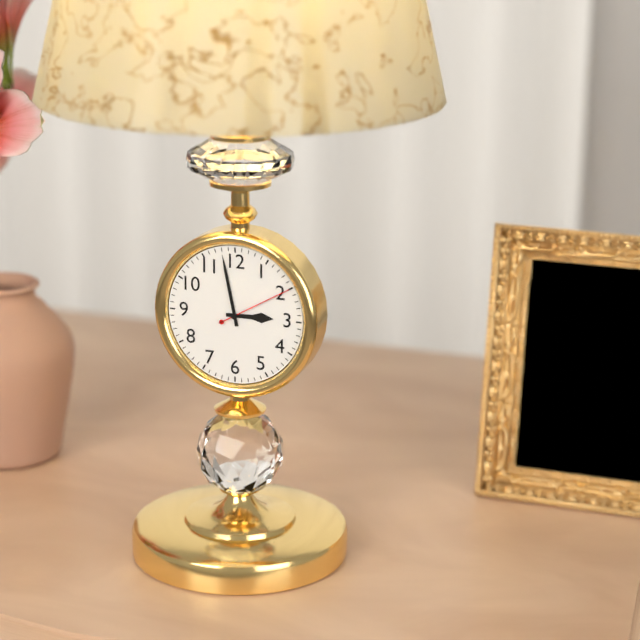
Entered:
2:58:10
